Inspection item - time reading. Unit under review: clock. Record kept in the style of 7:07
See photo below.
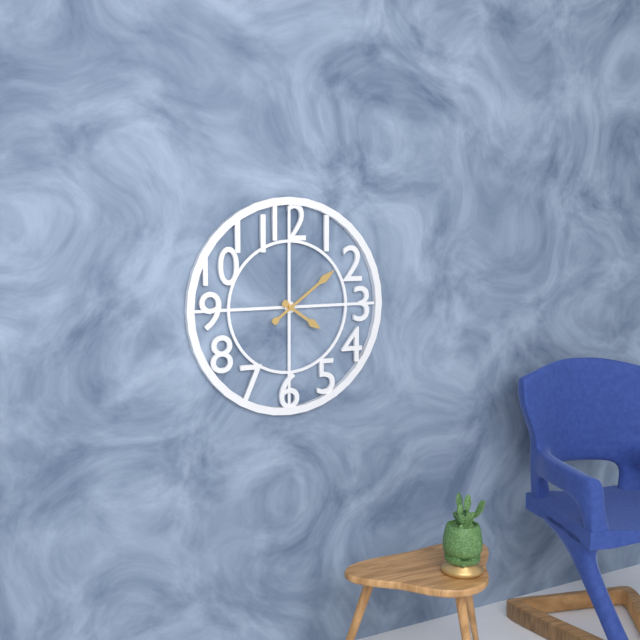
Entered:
4:09
